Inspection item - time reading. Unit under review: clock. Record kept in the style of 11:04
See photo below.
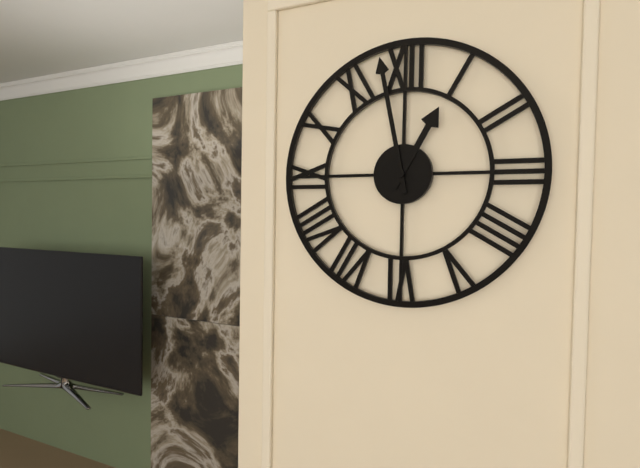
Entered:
12:58
